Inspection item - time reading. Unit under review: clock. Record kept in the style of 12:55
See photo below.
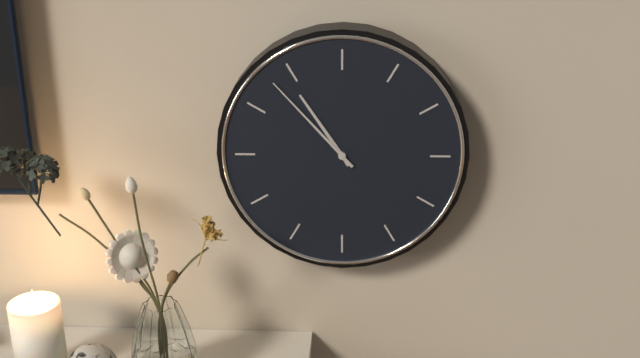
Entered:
10:53
